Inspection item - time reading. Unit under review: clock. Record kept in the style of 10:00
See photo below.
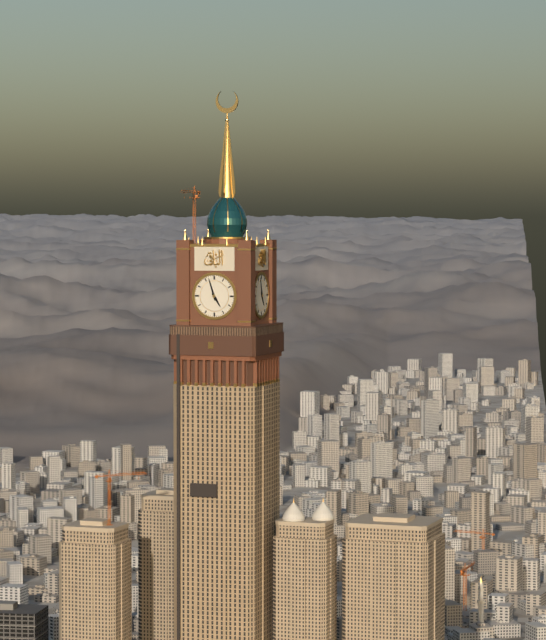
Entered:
4:57
